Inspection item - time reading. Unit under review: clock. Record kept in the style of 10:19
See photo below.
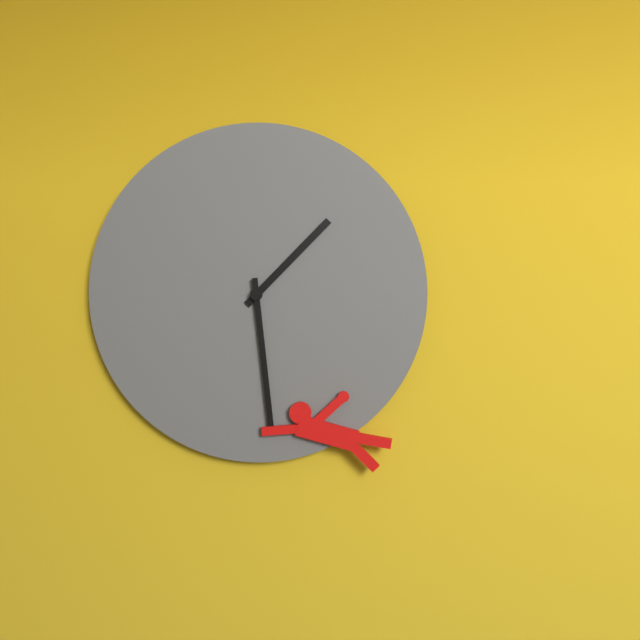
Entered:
1:29
